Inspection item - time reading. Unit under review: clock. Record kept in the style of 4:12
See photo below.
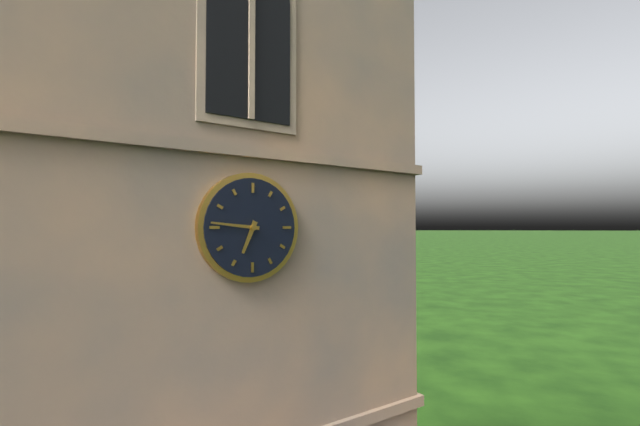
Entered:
6:46
